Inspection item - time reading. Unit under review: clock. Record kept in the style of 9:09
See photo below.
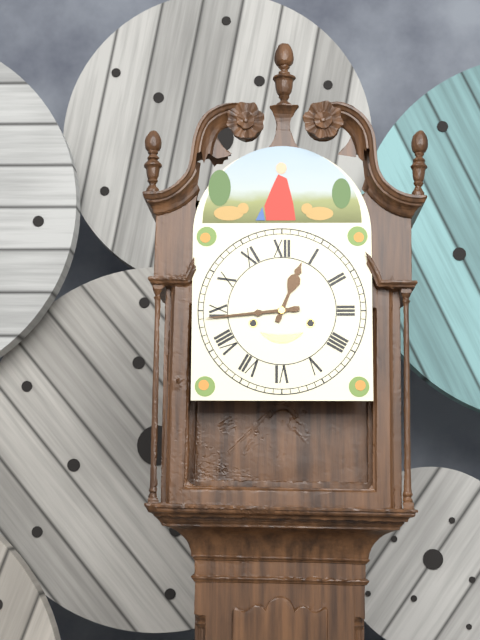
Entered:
12:44
